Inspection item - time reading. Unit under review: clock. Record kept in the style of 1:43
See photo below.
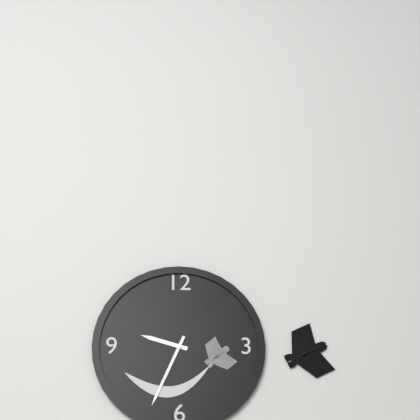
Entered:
9:34
